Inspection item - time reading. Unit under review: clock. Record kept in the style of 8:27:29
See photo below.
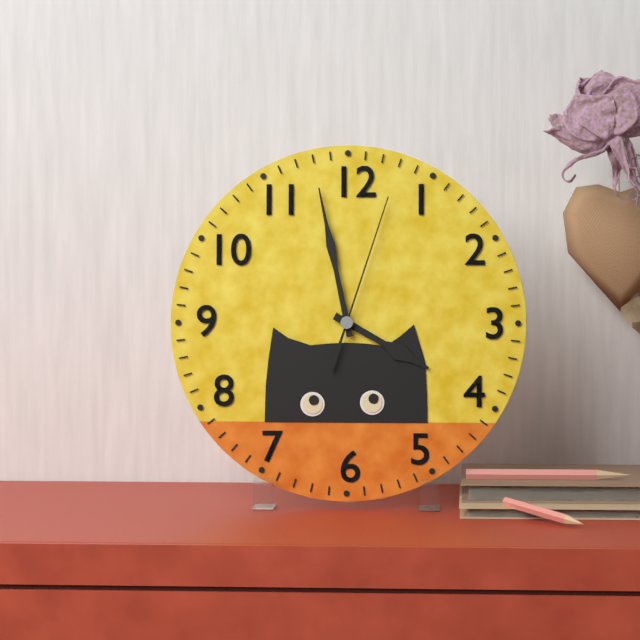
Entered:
3:58:03
